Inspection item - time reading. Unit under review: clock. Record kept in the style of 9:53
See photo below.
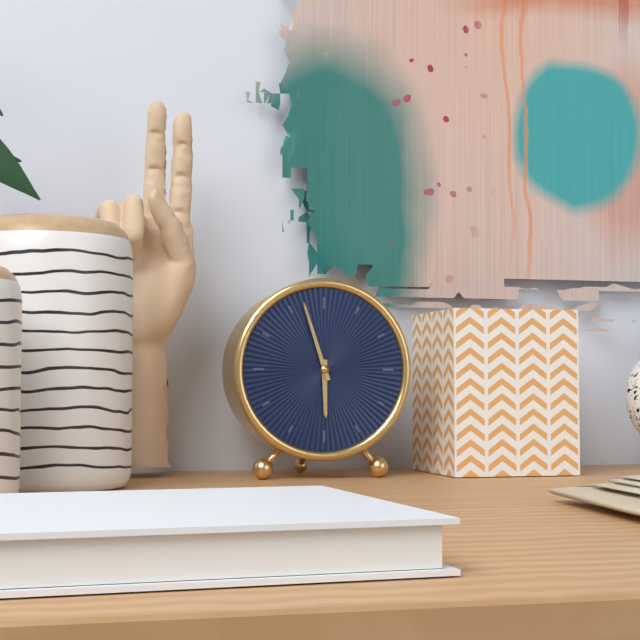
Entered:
5:57
